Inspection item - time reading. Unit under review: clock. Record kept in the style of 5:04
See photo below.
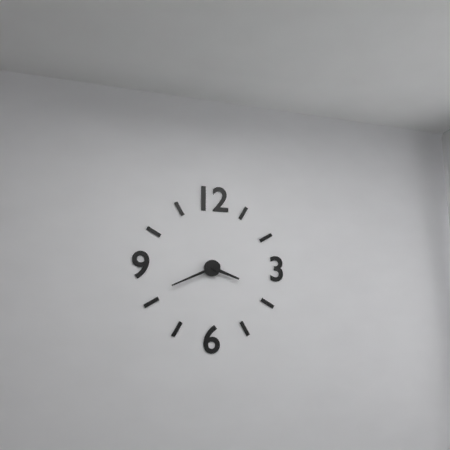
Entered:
3:41
